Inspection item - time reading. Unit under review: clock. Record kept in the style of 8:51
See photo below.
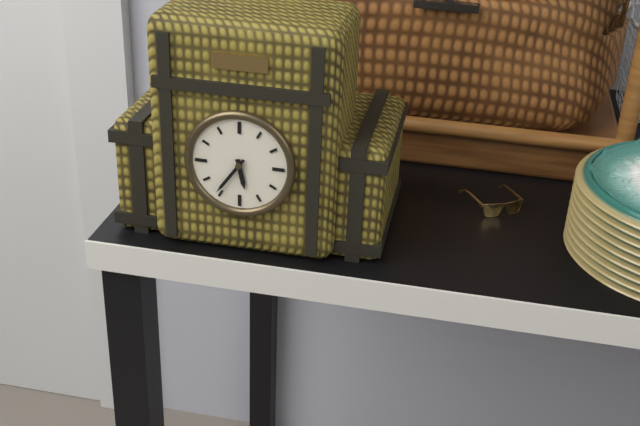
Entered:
5:36
